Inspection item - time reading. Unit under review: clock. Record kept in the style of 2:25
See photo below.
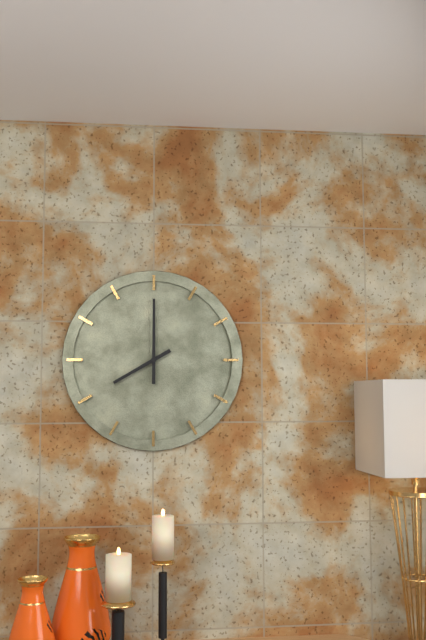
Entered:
8:00
